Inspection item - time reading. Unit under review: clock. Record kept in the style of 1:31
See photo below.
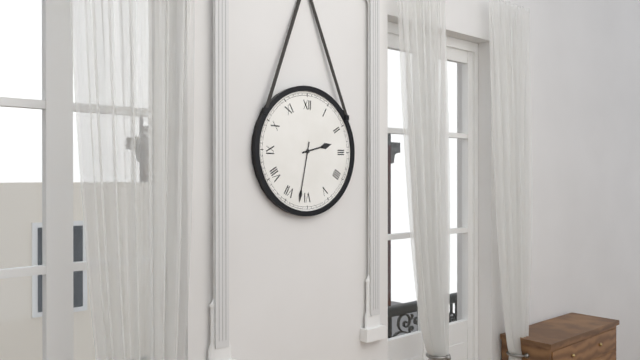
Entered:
2:32
